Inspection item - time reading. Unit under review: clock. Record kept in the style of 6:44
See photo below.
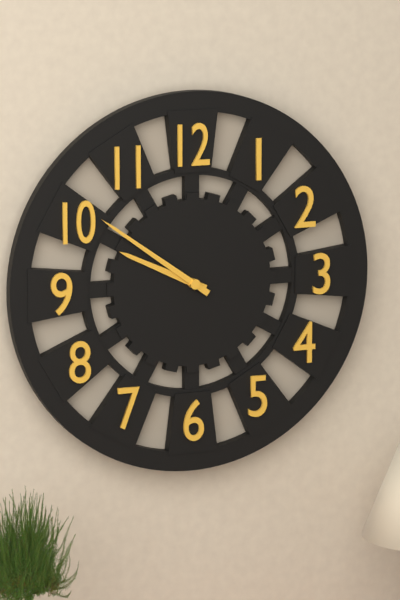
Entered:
9:51
